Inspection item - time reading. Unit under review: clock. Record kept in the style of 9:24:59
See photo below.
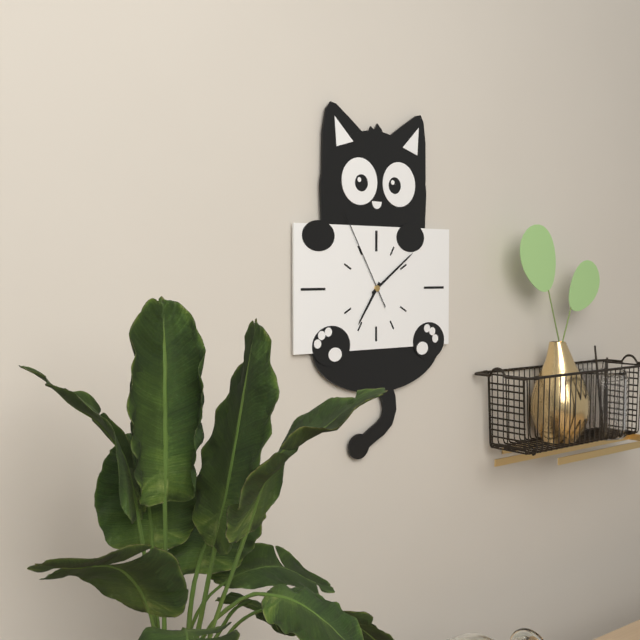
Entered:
7:09:55
